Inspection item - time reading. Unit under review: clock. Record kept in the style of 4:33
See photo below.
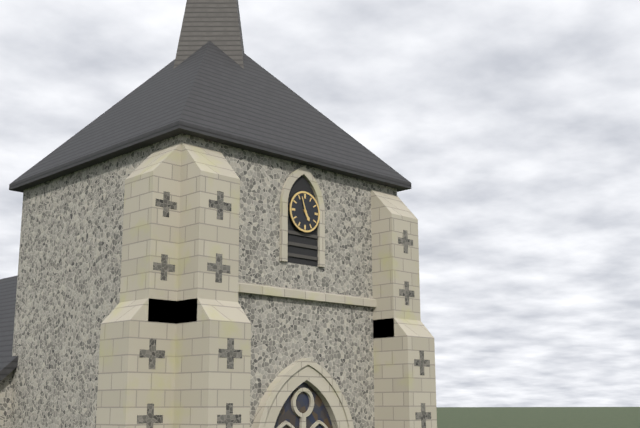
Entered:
4:57
